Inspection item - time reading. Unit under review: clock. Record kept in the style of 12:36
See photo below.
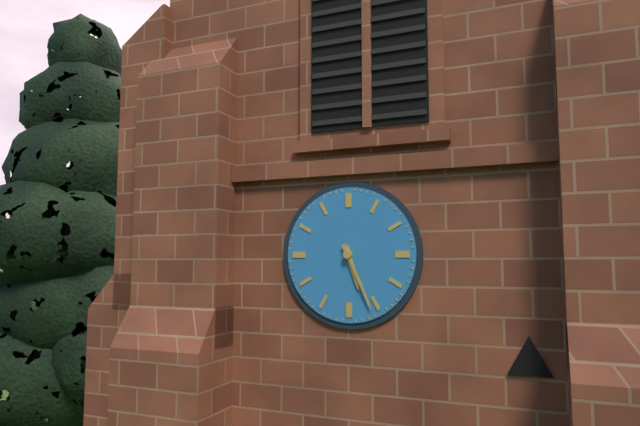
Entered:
5:26
